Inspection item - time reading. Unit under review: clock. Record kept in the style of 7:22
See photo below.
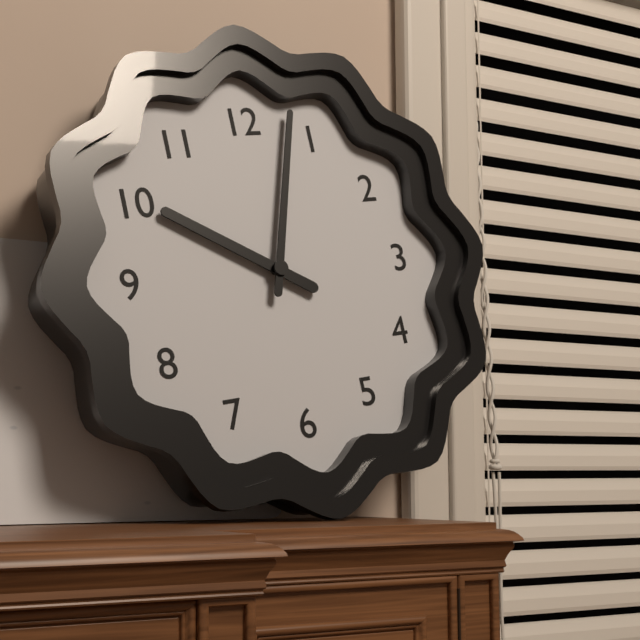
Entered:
10:03
